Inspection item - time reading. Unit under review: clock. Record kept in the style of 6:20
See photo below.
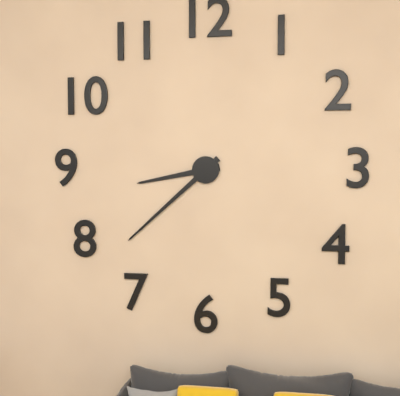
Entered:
8:38
